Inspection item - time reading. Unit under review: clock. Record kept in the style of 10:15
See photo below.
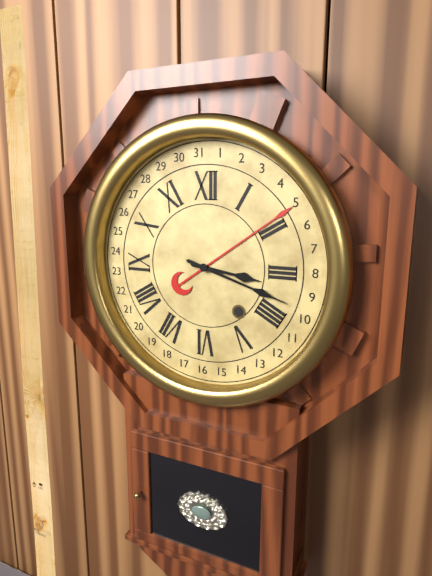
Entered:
3:18
